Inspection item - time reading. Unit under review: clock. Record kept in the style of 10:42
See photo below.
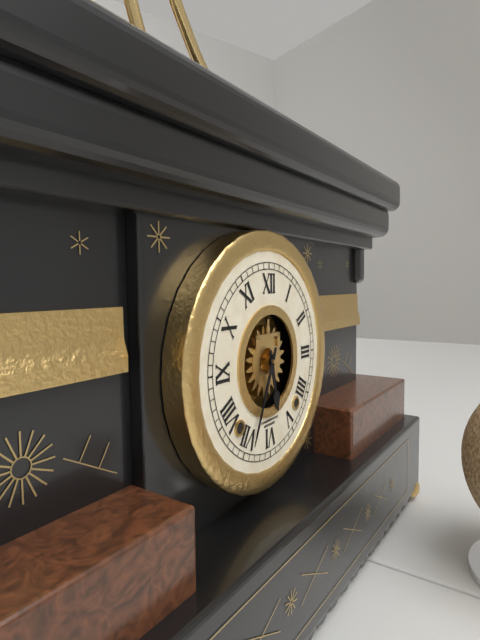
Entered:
5:34
